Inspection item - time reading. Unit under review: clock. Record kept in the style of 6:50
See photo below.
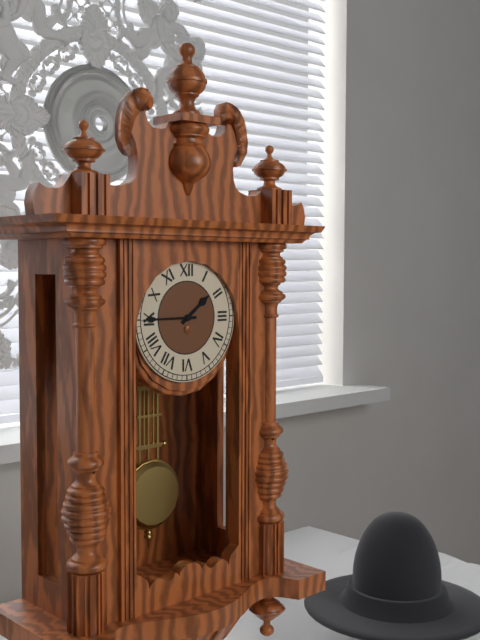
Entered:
1:45
